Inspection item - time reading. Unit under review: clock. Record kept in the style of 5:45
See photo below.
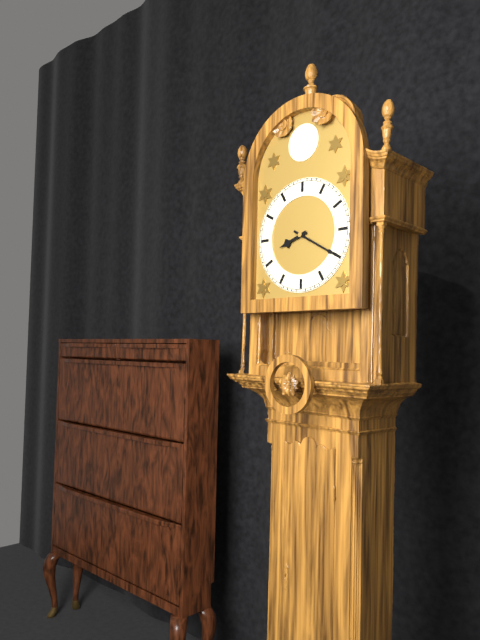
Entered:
8:20
